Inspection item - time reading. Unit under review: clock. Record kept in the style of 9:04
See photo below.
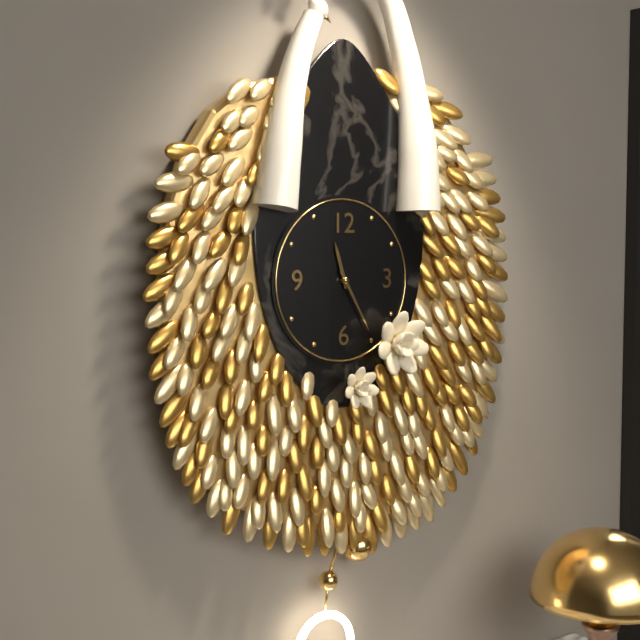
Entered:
11:25
